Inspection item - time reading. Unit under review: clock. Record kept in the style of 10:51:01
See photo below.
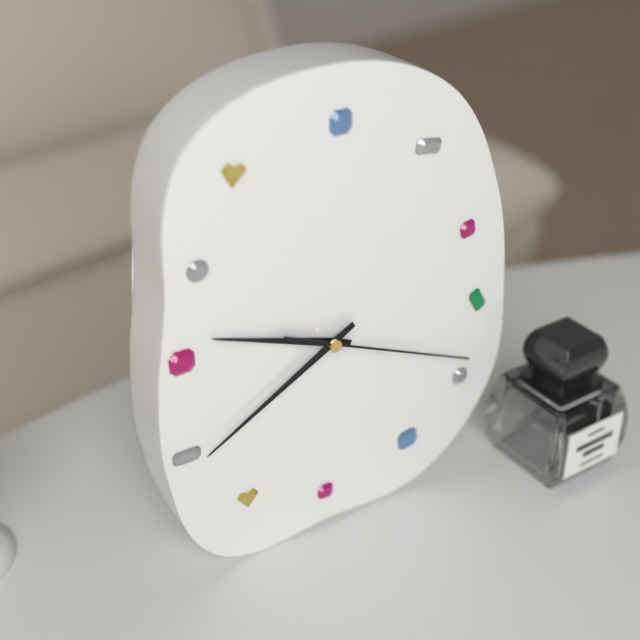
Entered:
9:40:19
